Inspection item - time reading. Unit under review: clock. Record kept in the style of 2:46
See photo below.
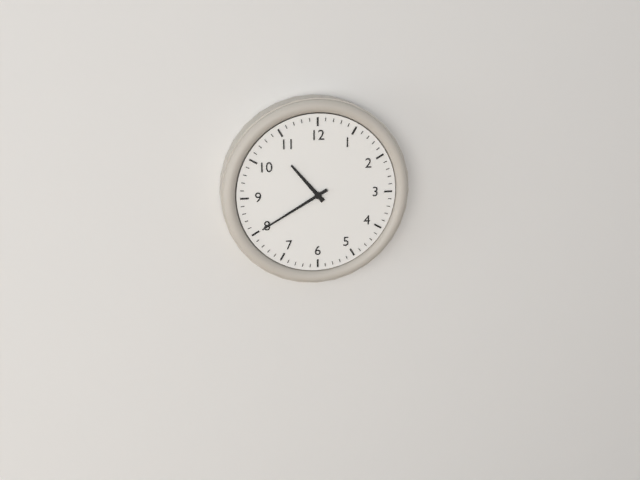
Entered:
10:40
